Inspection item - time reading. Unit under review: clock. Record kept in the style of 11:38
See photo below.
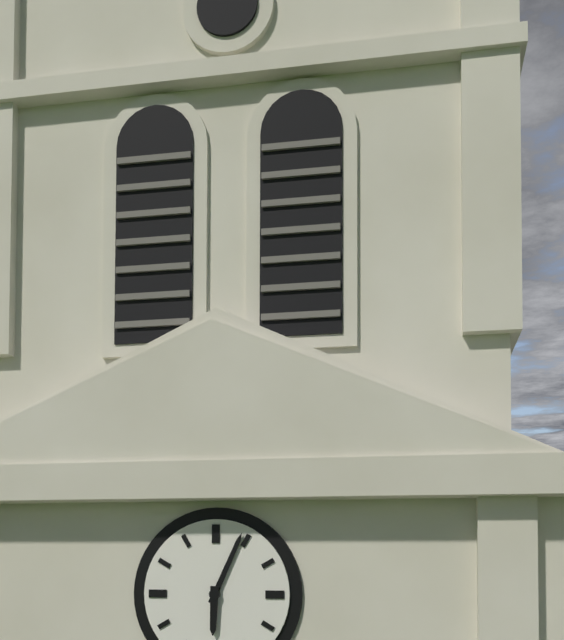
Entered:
6:04
